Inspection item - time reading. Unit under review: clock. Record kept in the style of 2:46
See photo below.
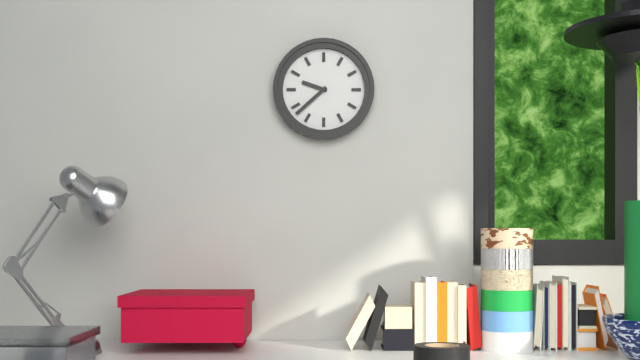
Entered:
9:38
